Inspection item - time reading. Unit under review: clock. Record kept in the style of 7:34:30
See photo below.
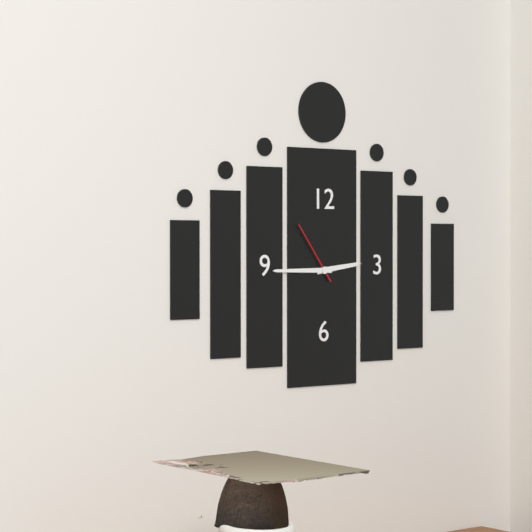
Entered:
2:45:54
